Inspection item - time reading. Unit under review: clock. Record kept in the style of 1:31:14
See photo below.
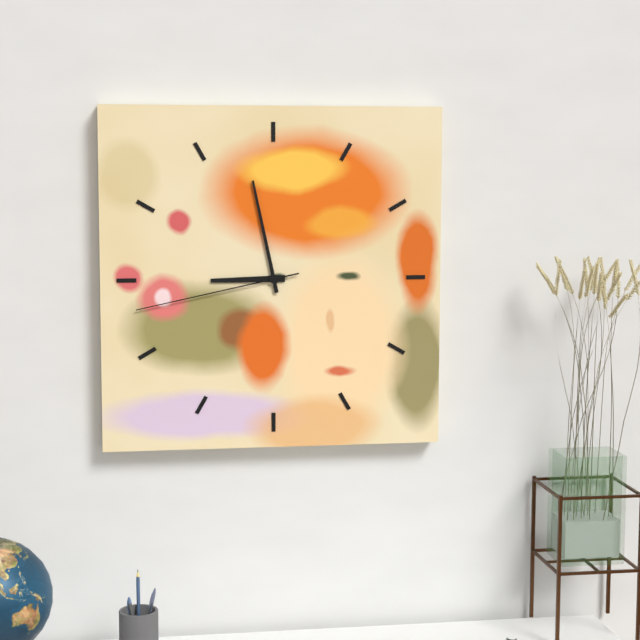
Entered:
8:58:43
